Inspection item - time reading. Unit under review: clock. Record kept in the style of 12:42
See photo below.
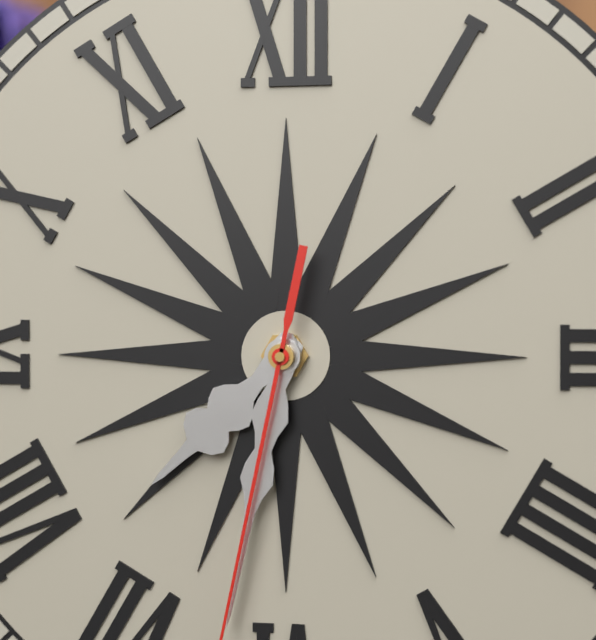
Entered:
7:32
